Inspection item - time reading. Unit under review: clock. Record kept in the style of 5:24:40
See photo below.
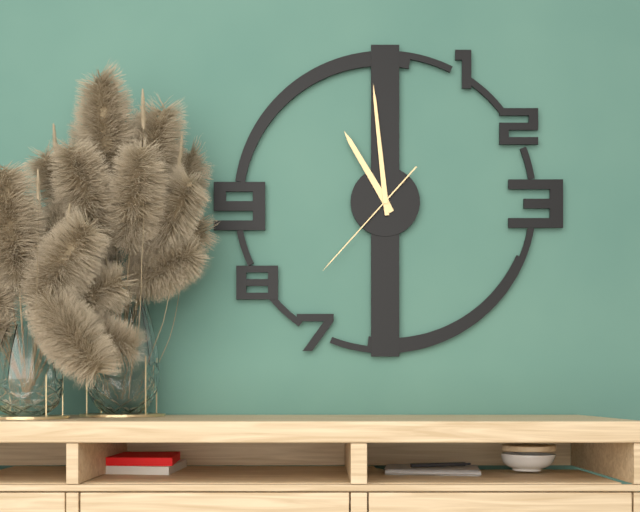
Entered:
10:59:37
